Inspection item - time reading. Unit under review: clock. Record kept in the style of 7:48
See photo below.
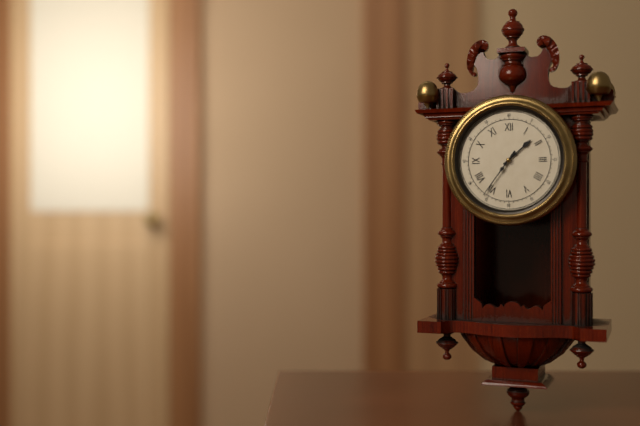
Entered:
1:36
